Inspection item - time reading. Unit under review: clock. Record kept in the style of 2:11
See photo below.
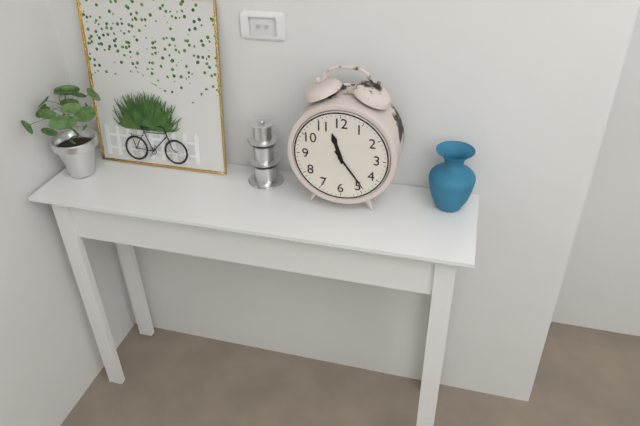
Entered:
11:24
